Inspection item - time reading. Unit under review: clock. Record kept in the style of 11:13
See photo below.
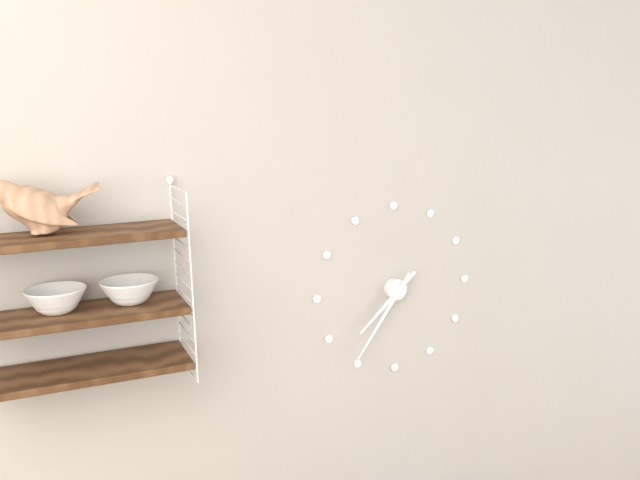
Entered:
7:36
